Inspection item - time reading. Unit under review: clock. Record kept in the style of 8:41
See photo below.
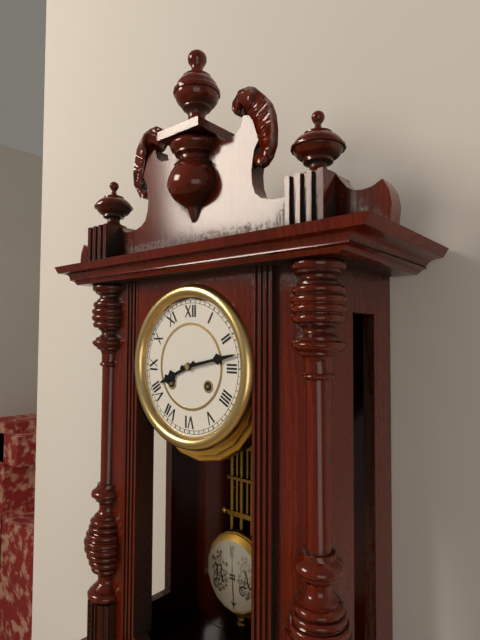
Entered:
8:13
